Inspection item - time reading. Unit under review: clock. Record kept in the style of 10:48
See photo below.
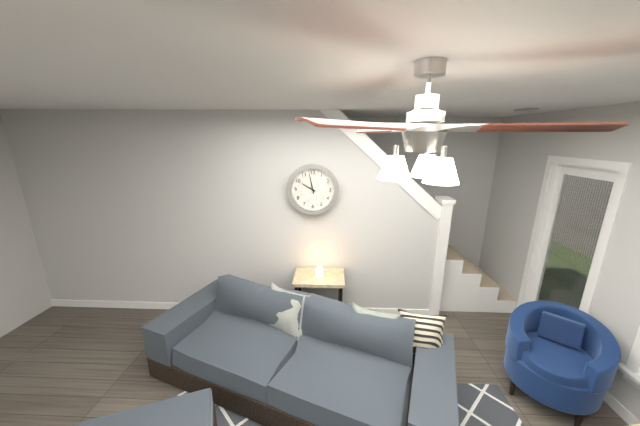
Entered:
9:58
